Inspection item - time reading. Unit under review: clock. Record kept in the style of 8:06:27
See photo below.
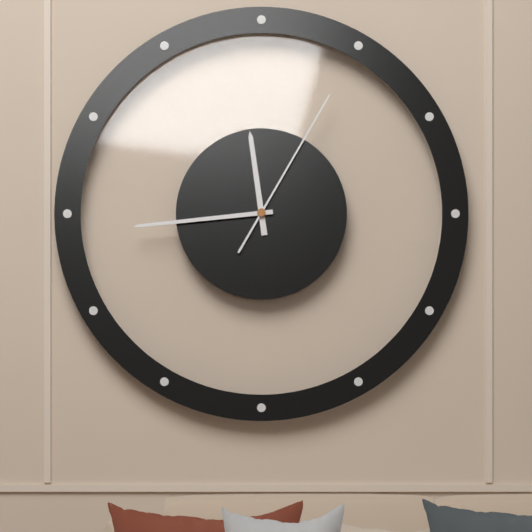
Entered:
11:44:05
